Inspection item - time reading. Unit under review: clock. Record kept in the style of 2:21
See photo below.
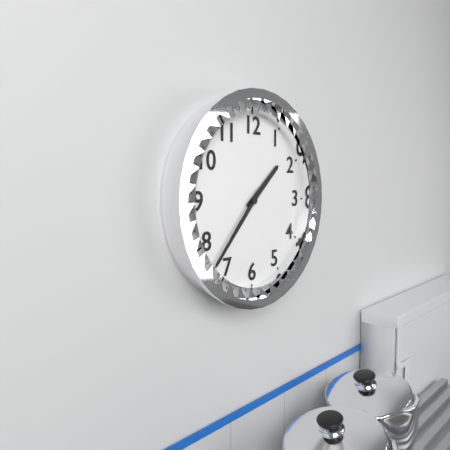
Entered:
1:37
